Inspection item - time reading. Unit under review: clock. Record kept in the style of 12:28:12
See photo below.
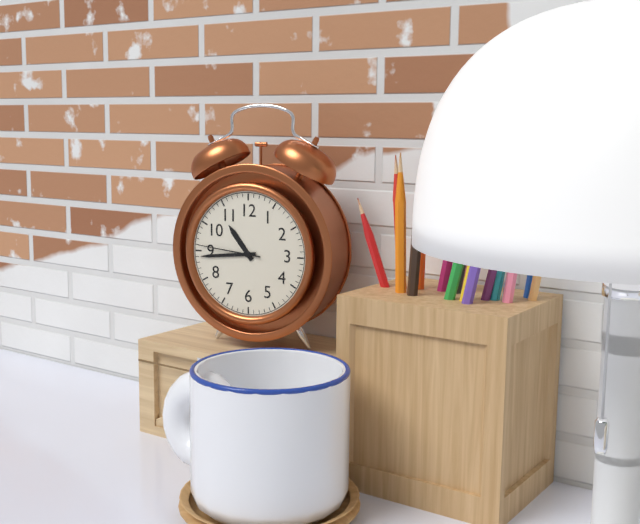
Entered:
10:44:46
